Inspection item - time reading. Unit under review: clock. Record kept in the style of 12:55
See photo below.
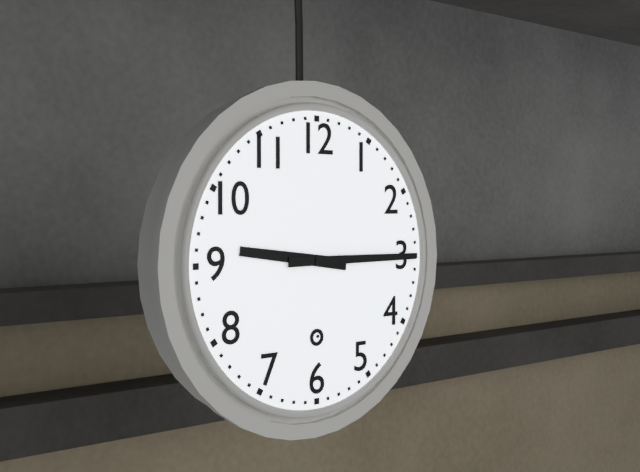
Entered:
9:15
